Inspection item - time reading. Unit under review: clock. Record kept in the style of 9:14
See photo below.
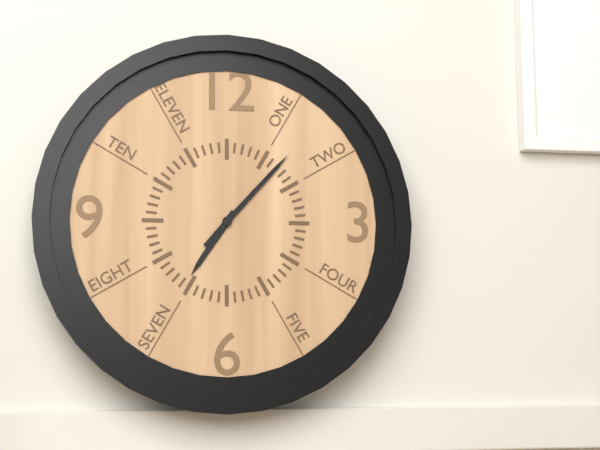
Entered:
7:07
